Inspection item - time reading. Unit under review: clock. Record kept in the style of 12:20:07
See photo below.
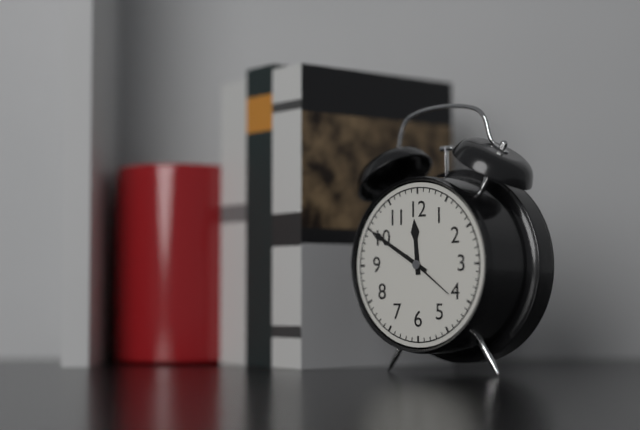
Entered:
11:50:21
